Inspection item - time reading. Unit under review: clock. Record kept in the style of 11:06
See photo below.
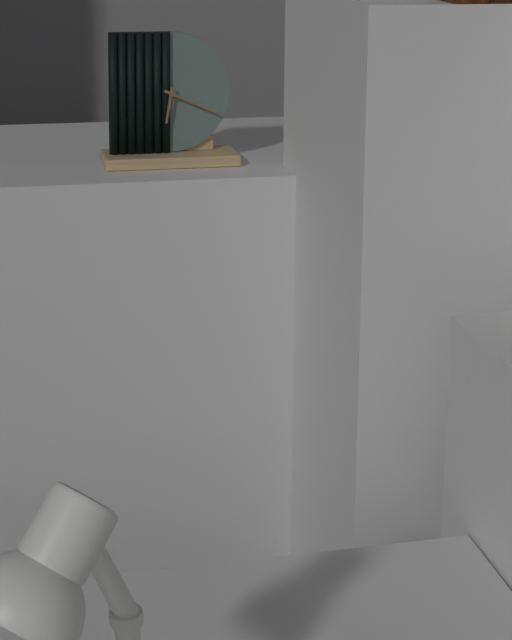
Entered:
6:19
